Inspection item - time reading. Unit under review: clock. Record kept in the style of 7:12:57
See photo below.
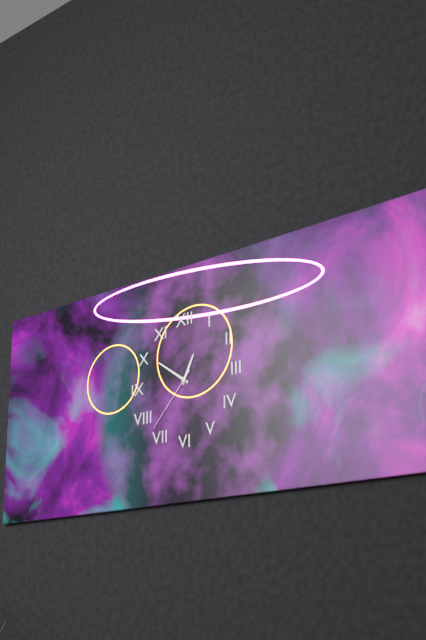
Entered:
12:51:37
